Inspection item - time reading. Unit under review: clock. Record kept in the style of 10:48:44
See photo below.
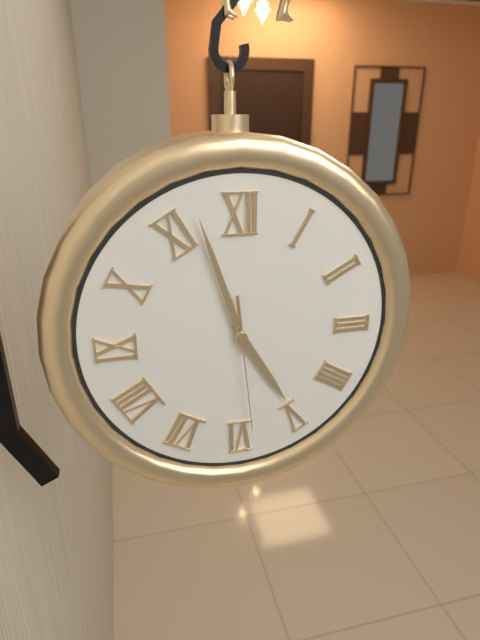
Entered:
4:57:29
